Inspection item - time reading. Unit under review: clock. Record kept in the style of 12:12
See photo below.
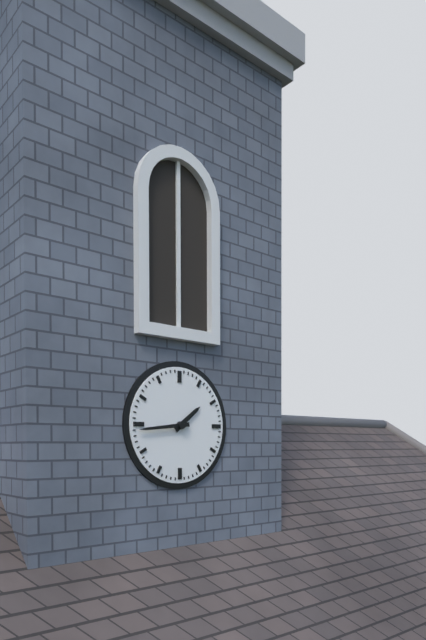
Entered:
1:44
